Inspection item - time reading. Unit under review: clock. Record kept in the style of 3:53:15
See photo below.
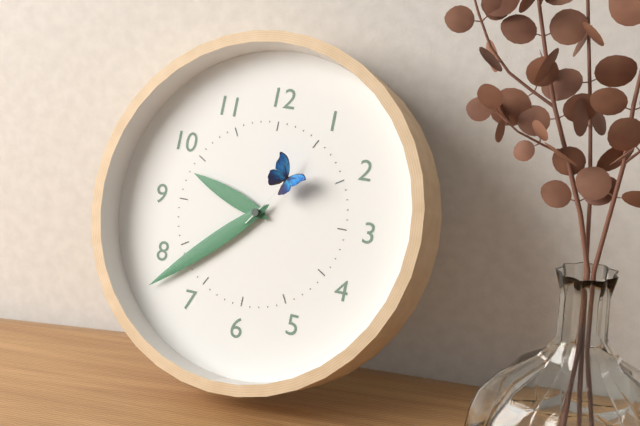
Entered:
9:38:06
